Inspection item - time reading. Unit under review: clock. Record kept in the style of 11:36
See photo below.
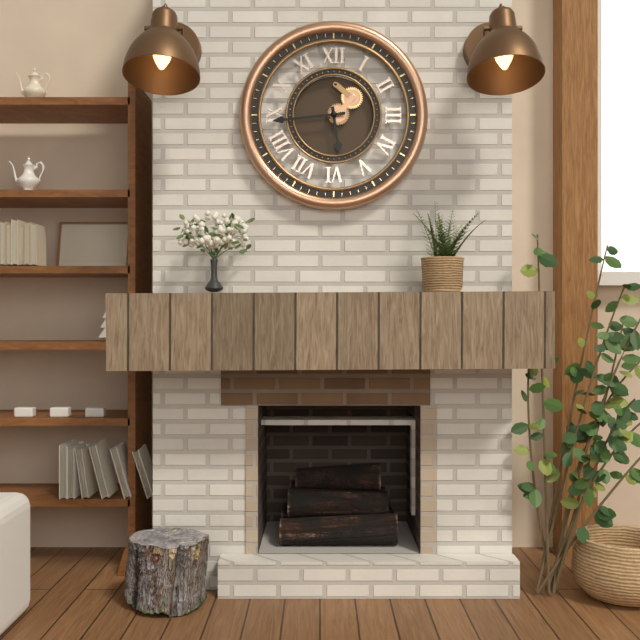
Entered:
5:44
